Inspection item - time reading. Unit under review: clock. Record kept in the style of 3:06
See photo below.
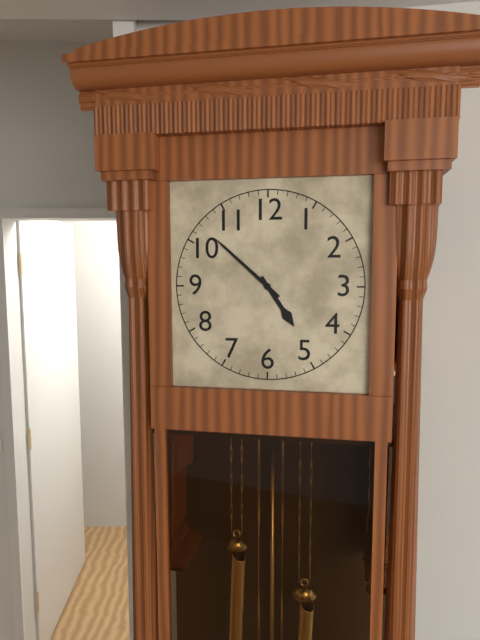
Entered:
4:52
